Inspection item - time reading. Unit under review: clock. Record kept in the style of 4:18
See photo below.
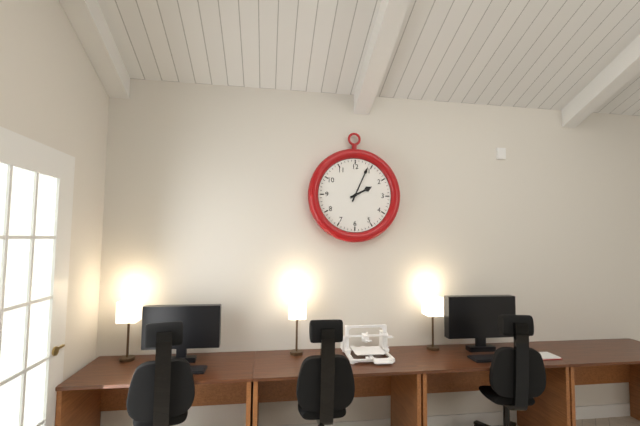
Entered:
2:04
